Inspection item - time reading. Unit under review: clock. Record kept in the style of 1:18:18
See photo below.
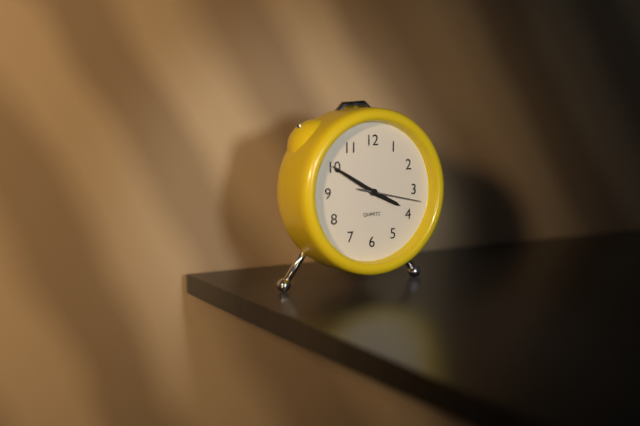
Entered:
3:50:17
